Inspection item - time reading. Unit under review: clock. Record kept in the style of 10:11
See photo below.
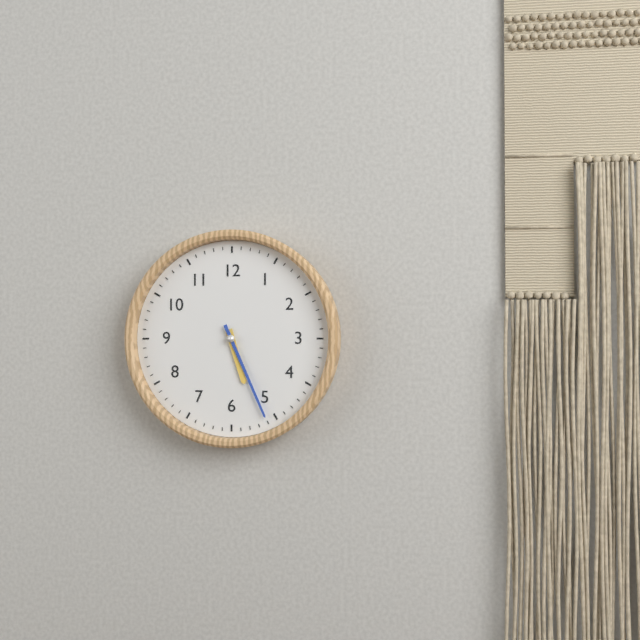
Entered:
5:26
